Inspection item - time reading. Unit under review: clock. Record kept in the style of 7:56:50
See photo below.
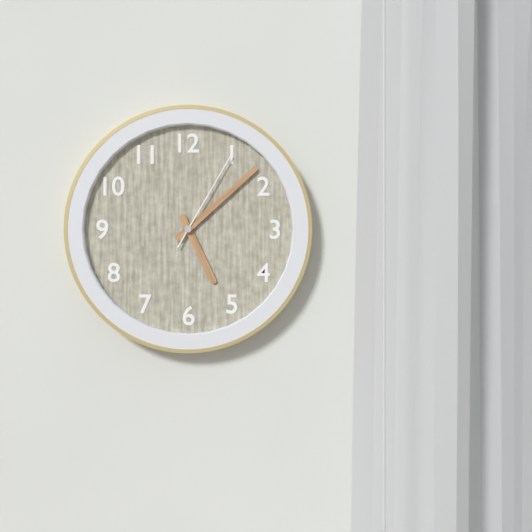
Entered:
5:08:05
